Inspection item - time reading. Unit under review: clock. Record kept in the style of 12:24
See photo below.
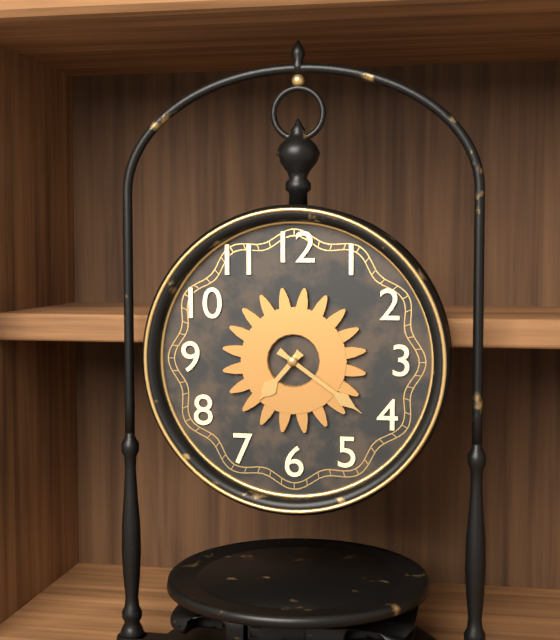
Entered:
7:21
